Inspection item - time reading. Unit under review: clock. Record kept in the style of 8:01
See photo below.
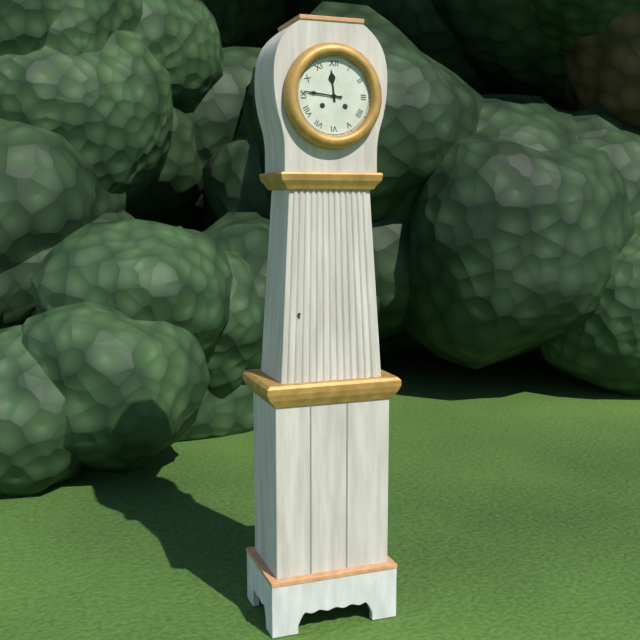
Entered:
11:46
